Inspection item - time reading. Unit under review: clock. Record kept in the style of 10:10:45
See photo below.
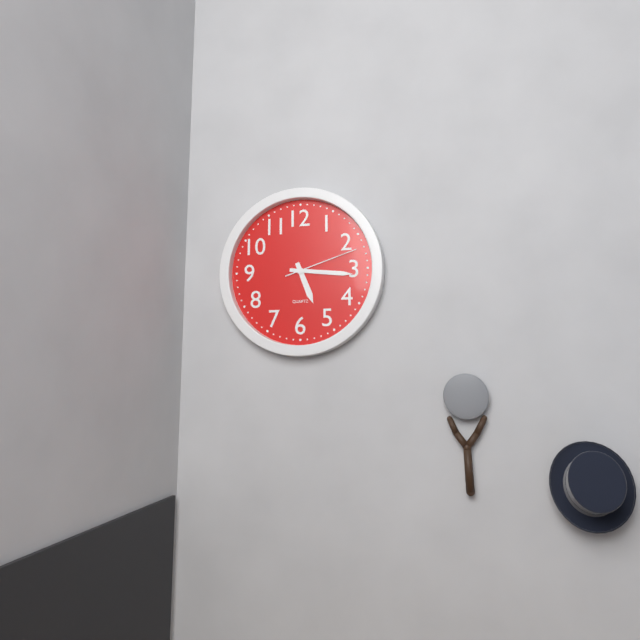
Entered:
5:16:12
